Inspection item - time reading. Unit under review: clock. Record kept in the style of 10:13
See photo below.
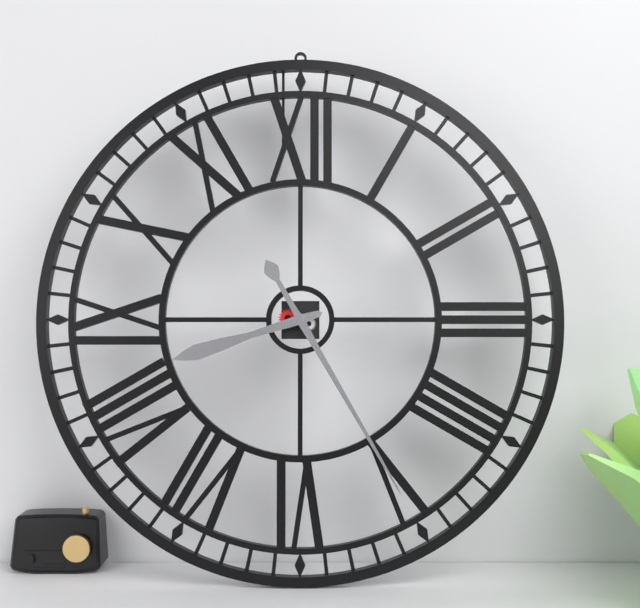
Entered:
8:25
